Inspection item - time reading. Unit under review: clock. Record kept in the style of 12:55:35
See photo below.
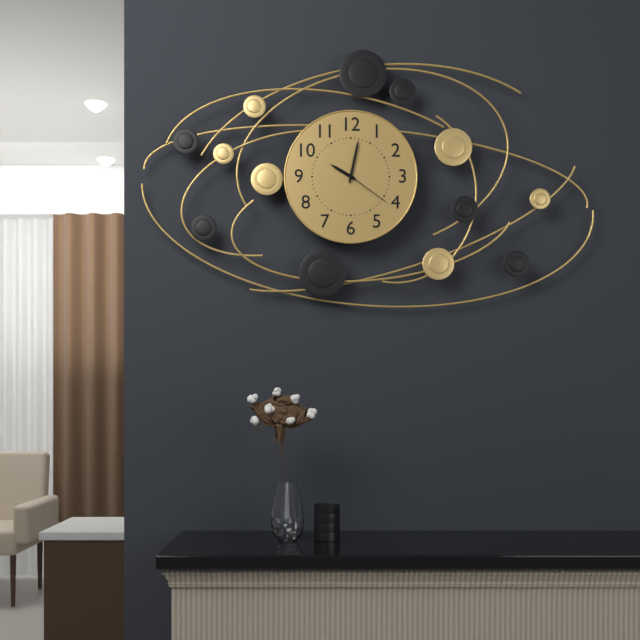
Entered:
10:02:21
